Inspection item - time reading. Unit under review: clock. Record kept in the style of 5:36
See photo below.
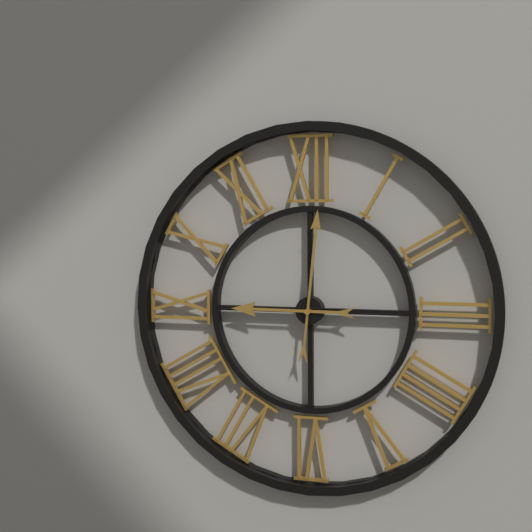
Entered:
9:01
